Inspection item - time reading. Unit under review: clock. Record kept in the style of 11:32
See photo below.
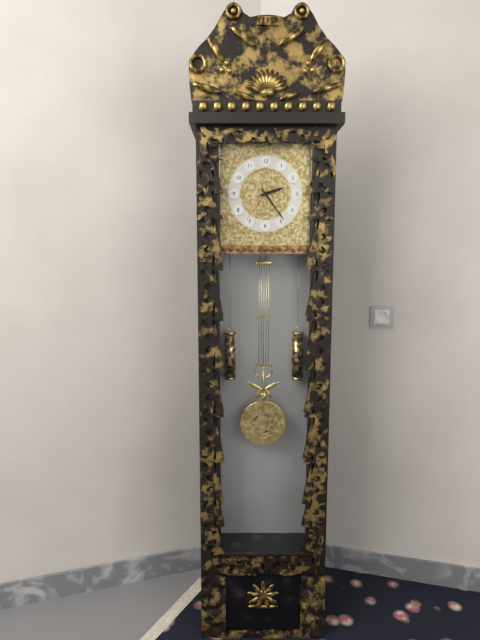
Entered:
2:24
